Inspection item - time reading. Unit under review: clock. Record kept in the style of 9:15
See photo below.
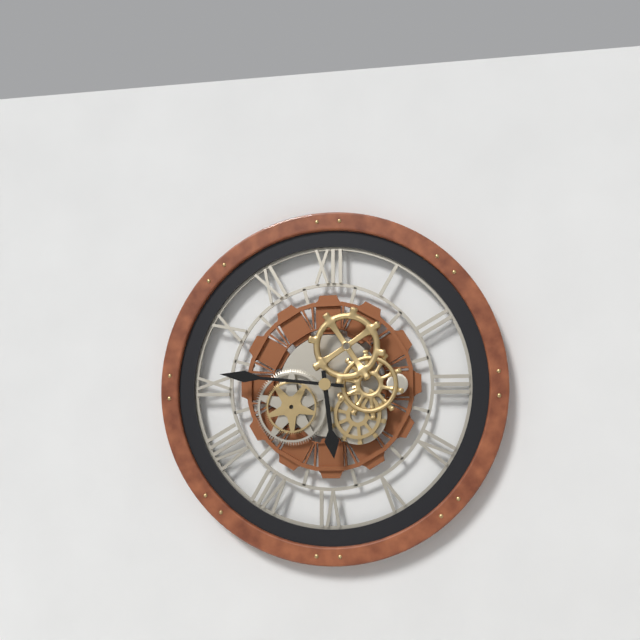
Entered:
5:46
